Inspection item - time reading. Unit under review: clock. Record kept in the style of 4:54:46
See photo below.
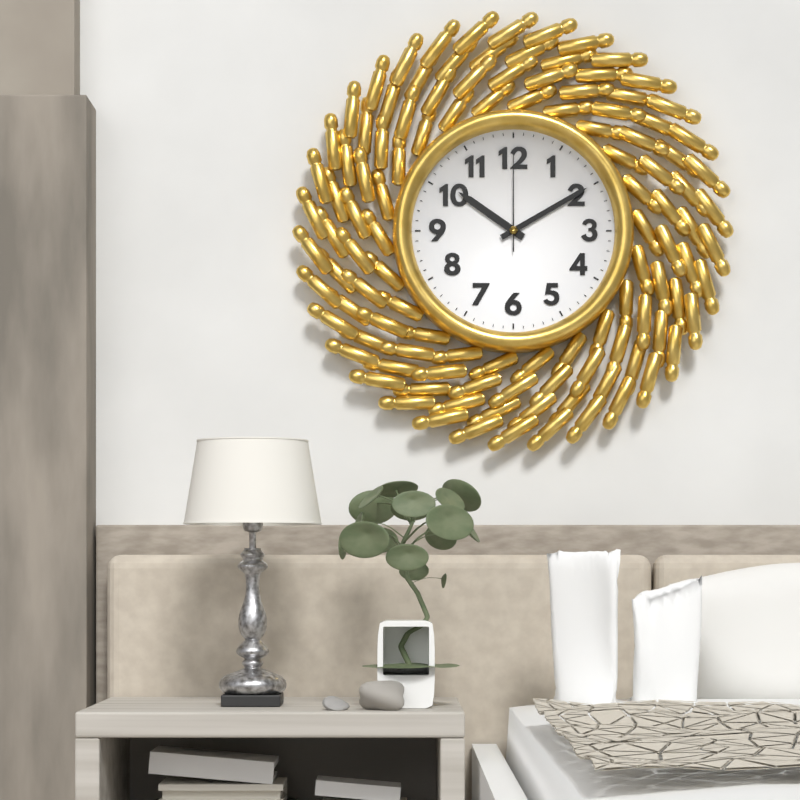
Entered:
10:10:00
